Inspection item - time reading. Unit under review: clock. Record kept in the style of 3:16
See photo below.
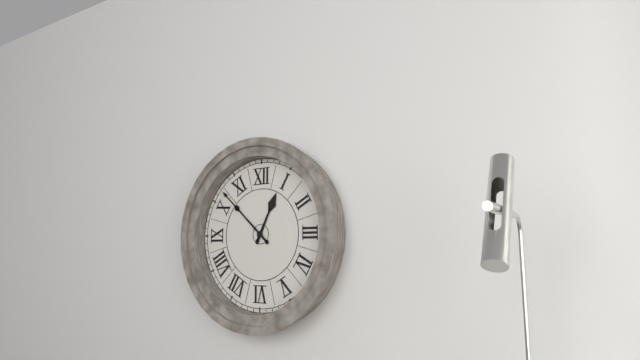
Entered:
12:52
